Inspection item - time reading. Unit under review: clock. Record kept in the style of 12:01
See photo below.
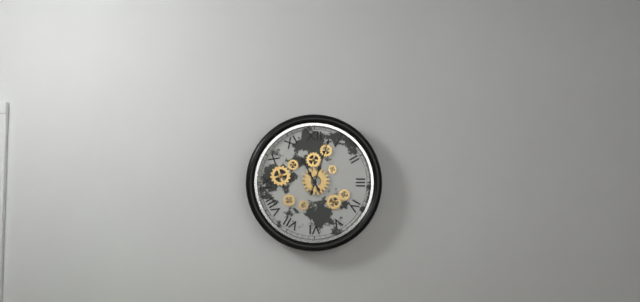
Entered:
11:03
